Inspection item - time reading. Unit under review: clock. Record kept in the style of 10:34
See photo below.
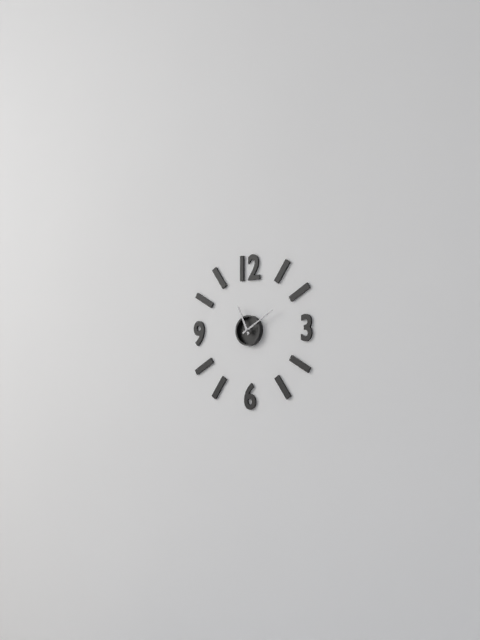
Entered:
11:10
